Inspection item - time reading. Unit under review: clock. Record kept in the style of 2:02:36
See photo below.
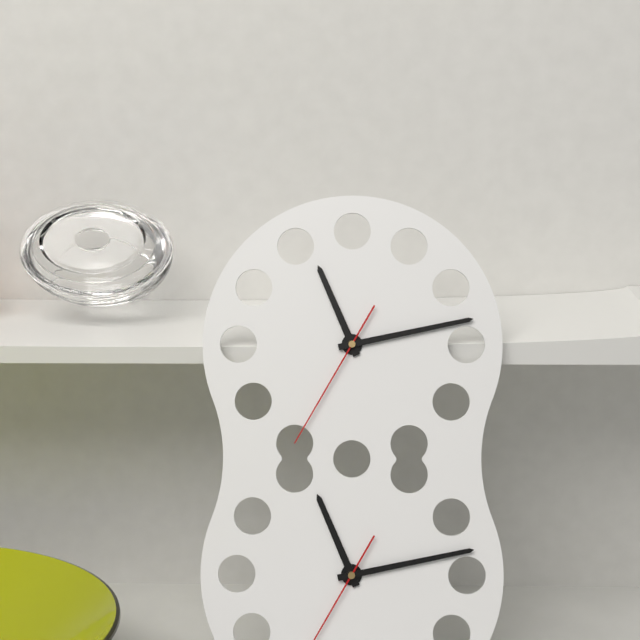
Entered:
11:13:35
